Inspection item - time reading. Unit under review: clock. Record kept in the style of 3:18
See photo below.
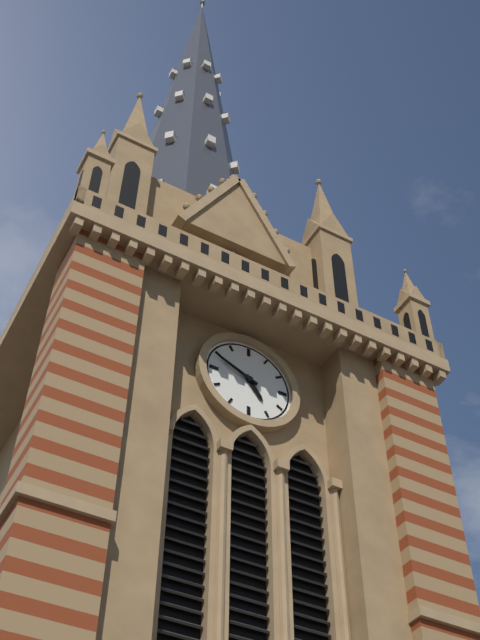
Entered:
4:49
